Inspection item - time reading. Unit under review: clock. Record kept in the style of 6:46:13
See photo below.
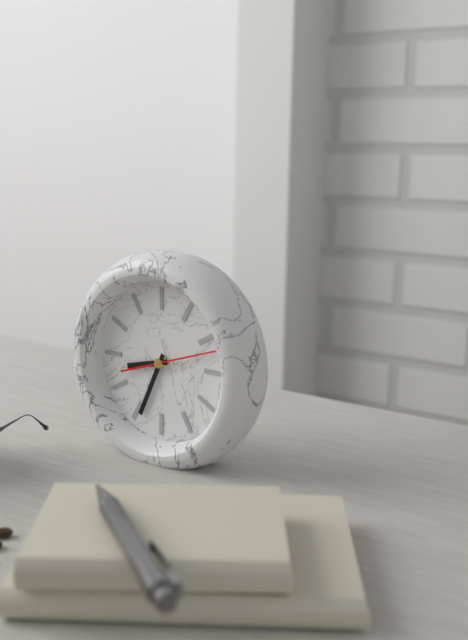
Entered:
8:34:12
